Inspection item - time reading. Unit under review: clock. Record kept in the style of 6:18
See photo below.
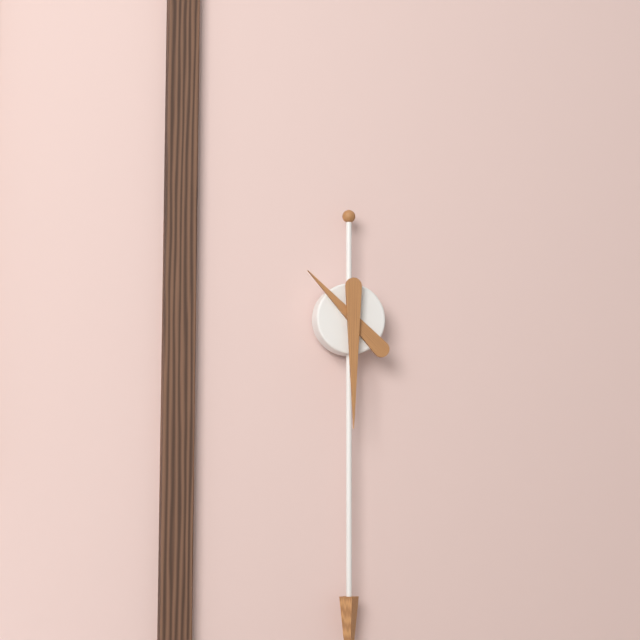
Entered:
10:30
